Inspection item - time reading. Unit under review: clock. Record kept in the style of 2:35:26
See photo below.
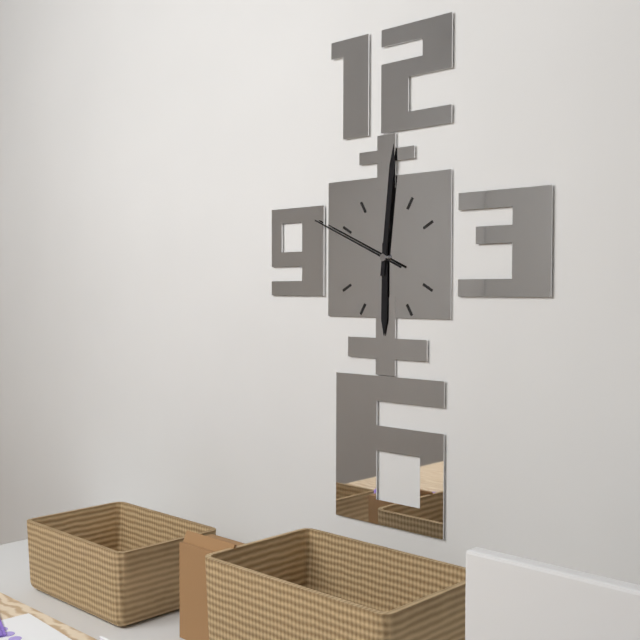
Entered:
6:01:49
